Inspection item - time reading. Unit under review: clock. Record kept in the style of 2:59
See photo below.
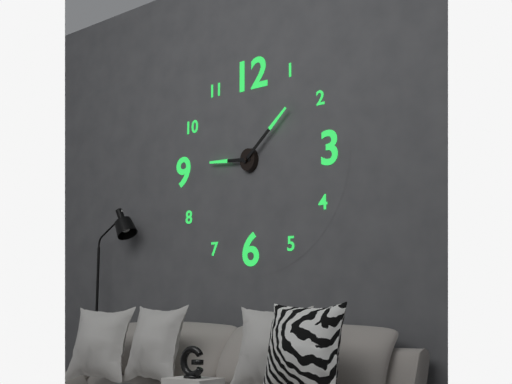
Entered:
9:08
